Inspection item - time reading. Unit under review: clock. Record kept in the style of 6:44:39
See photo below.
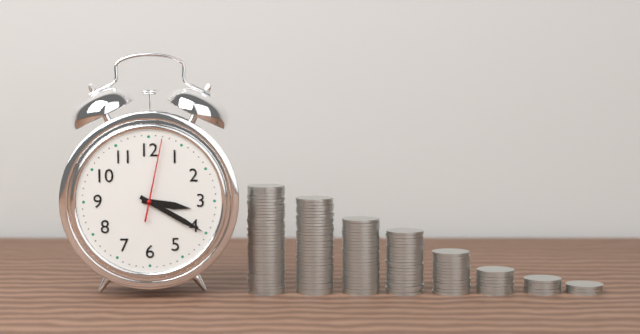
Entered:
3:20:02
